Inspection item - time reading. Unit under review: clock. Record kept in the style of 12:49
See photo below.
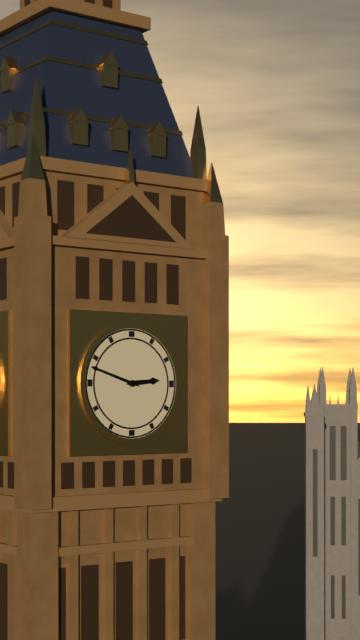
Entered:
2:48
